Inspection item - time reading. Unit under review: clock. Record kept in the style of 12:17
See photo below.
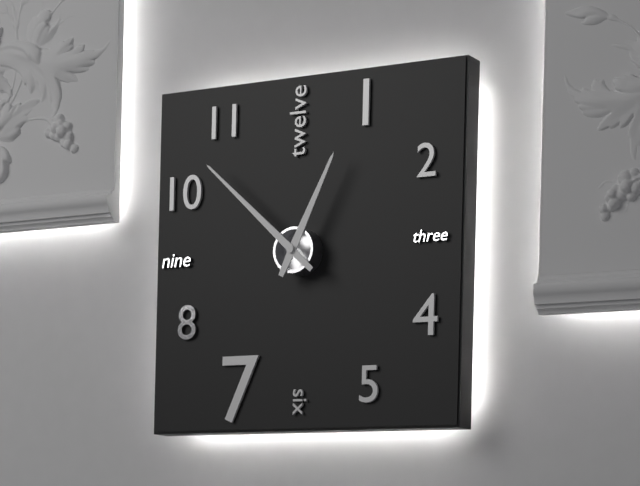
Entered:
12:52
